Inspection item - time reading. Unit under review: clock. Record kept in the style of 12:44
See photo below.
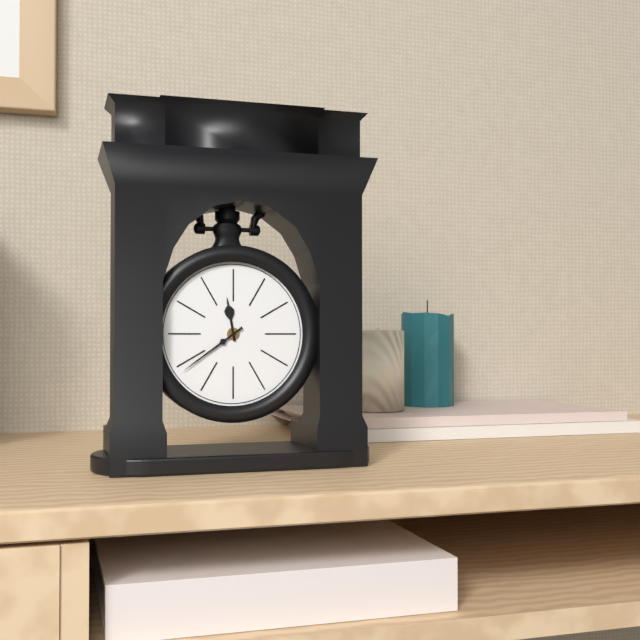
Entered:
11:39
